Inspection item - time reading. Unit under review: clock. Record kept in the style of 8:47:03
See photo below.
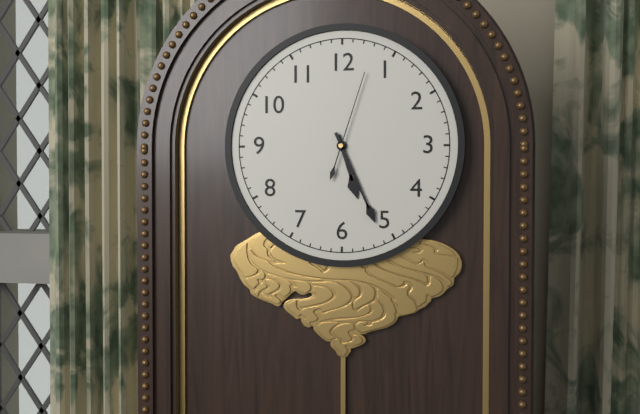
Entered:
5:26:03
